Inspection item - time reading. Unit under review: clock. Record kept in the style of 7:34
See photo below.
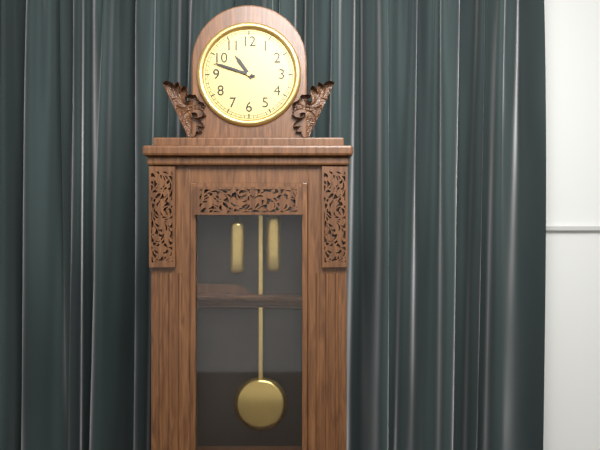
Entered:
10:48
